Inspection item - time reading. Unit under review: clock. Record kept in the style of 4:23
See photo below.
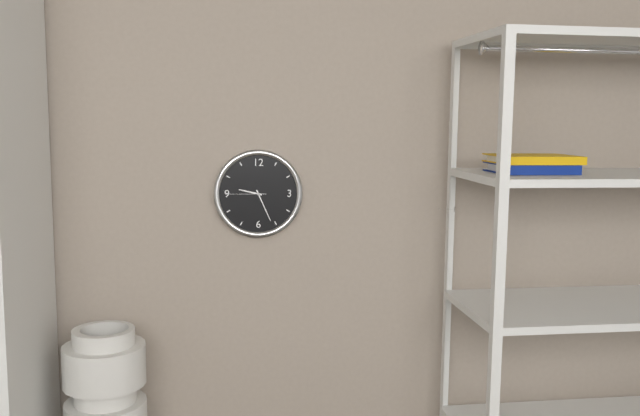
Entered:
9:26
